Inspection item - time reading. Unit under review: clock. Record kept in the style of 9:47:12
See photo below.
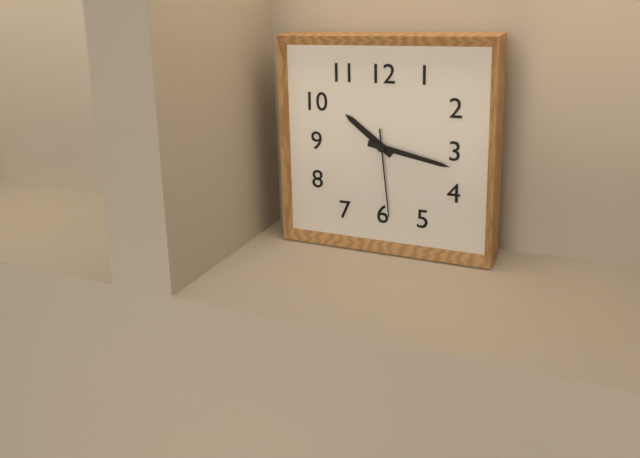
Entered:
10:17:29
